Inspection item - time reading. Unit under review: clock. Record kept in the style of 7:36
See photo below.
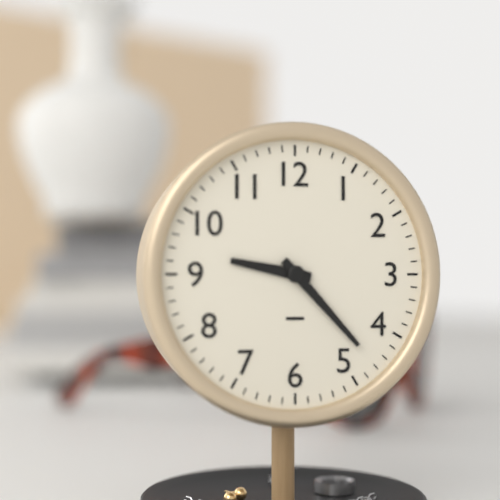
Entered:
9:23
